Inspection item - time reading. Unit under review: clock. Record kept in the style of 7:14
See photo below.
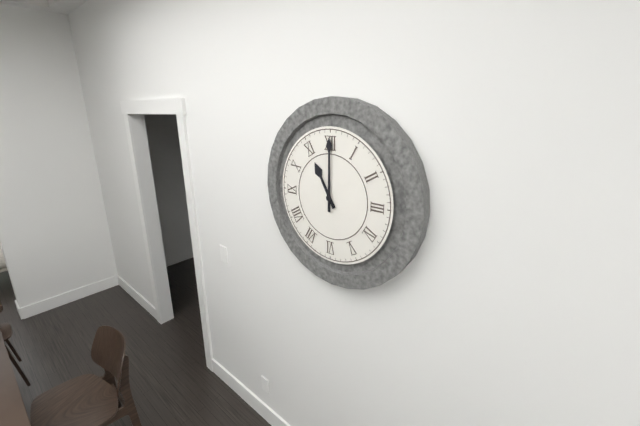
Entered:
11:00
